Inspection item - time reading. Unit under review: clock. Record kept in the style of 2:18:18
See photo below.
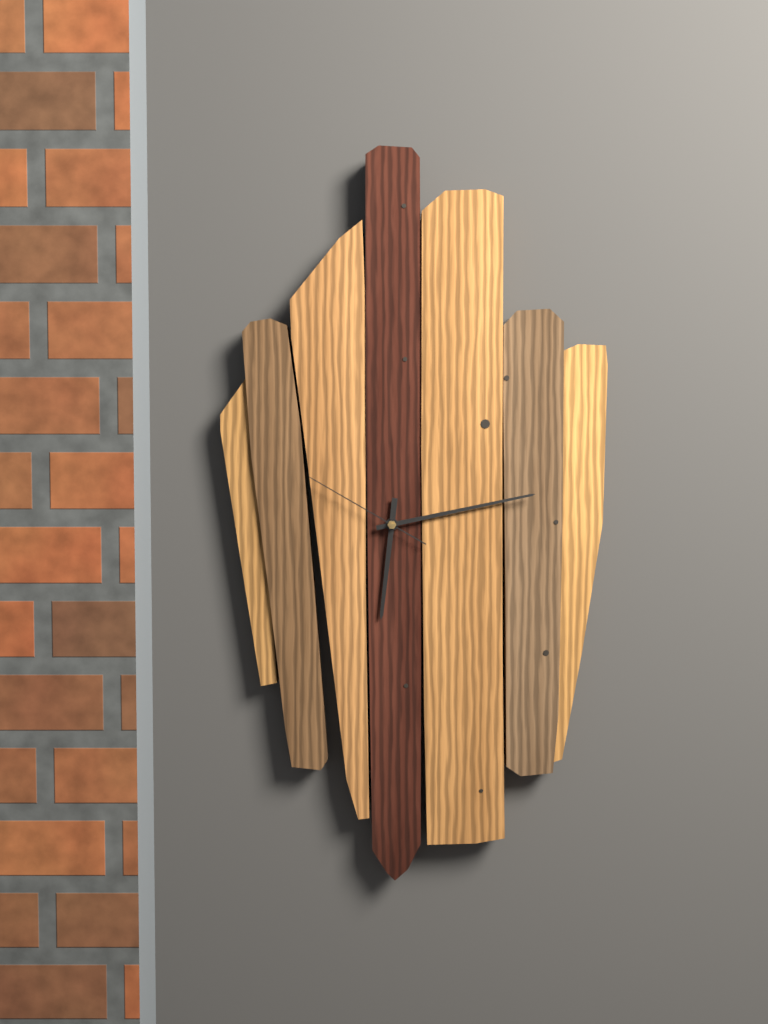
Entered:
6:13:50
